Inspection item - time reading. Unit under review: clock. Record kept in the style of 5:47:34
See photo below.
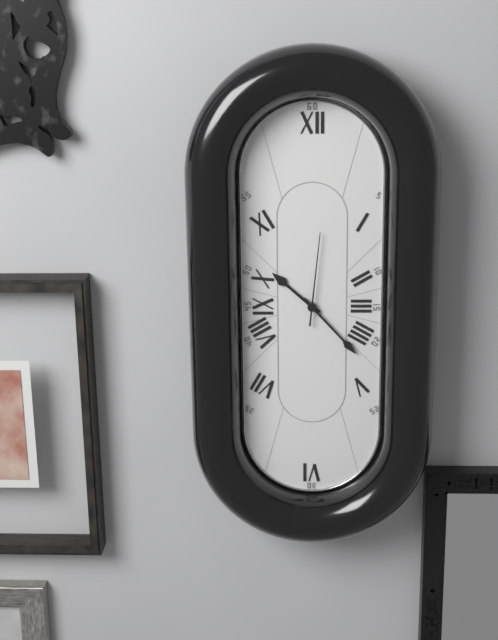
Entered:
10:23:01
